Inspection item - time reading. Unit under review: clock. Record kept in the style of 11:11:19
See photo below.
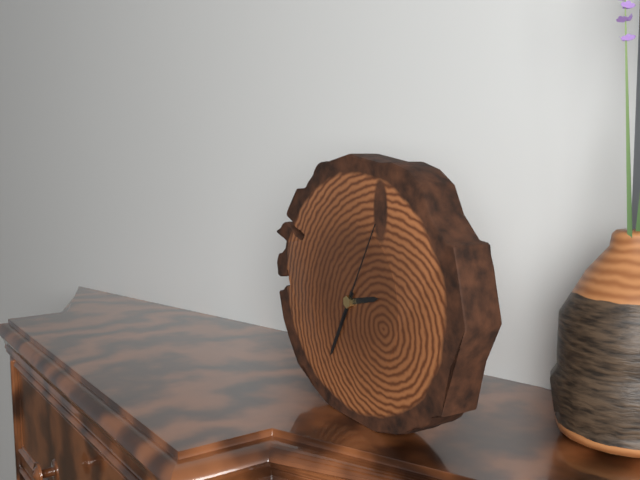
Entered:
2:35:05
